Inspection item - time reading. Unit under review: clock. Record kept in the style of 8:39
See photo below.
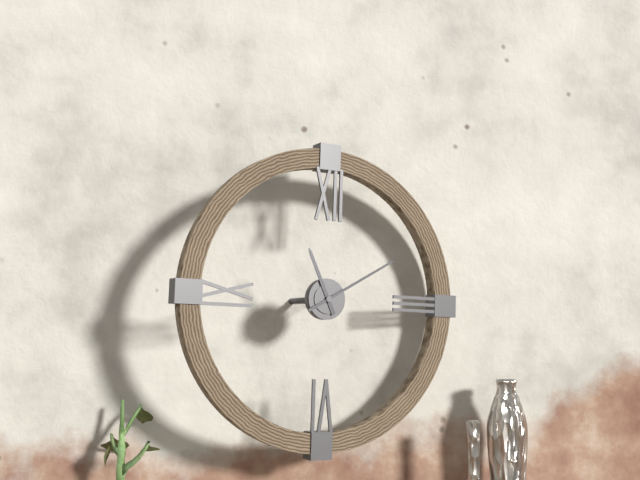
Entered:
11:10
